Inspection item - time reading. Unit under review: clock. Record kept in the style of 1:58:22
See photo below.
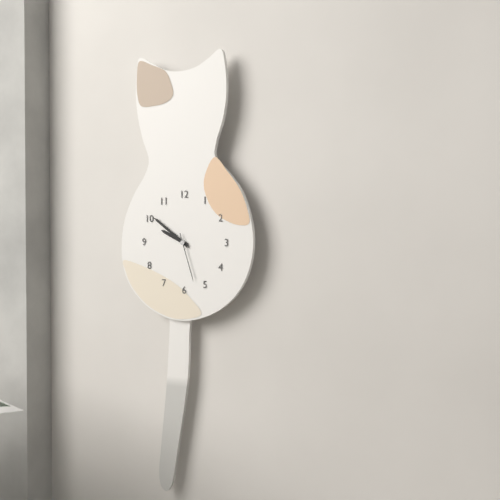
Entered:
9:51:27
